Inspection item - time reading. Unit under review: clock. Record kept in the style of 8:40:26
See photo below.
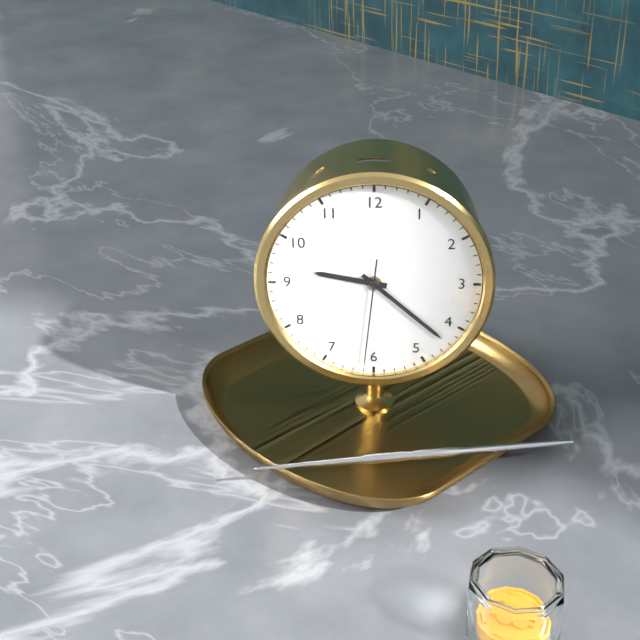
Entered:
9:22:31
